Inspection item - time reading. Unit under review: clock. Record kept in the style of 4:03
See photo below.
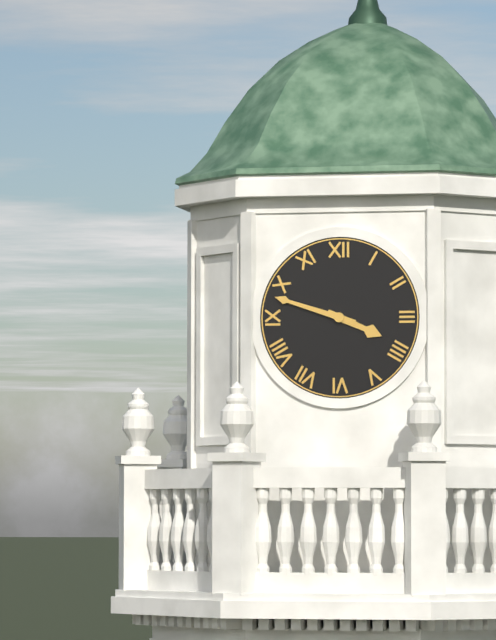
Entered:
3:48
